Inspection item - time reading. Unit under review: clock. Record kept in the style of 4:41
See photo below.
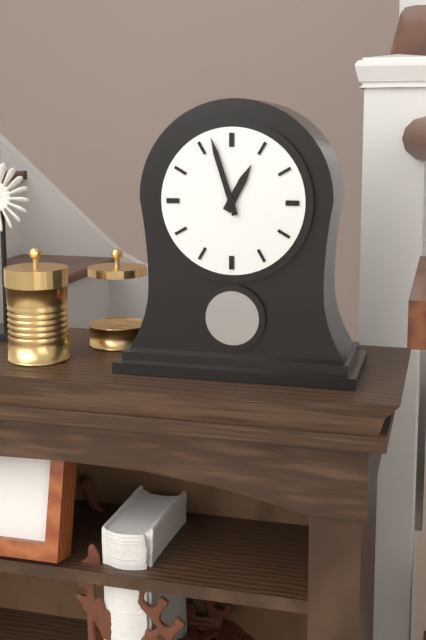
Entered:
12:57
